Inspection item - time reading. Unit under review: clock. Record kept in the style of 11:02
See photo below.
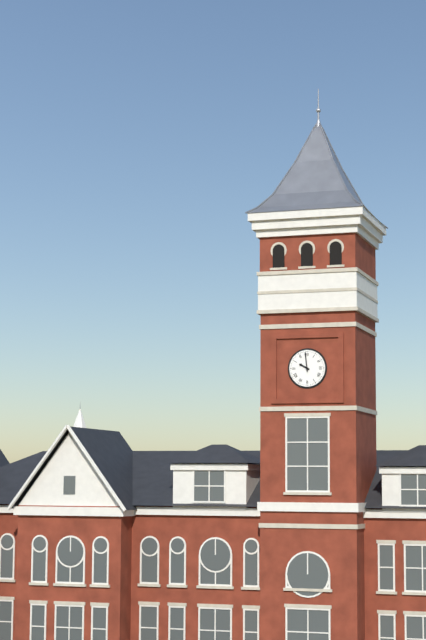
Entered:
9:59
